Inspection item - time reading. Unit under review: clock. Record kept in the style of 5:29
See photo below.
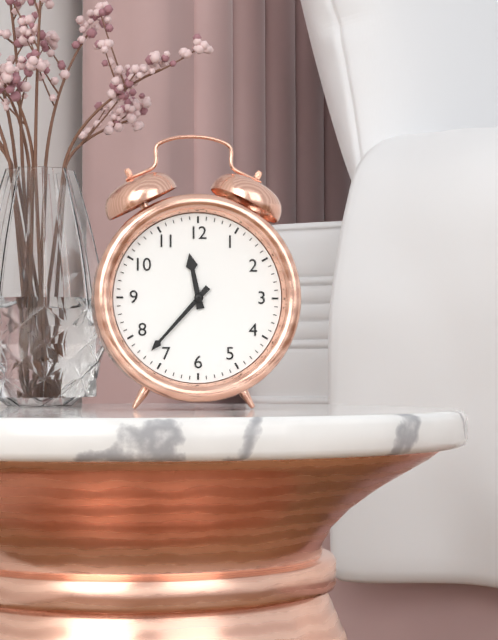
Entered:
11:37
